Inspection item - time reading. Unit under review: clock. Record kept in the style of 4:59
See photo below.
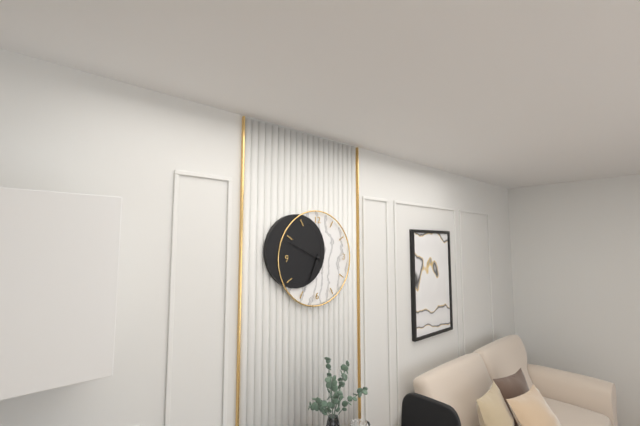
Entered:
6:49
